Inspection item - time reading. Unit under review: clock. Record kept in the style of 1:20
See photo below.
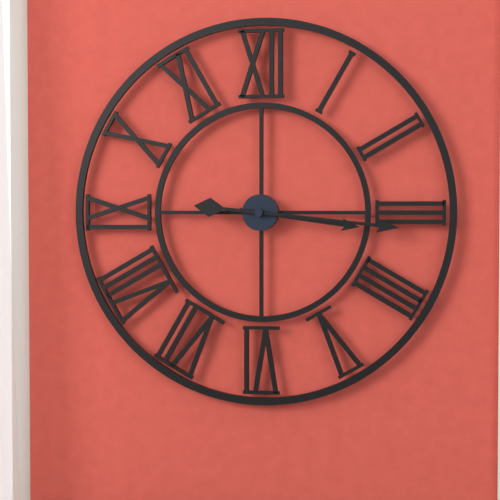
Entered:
3:16
